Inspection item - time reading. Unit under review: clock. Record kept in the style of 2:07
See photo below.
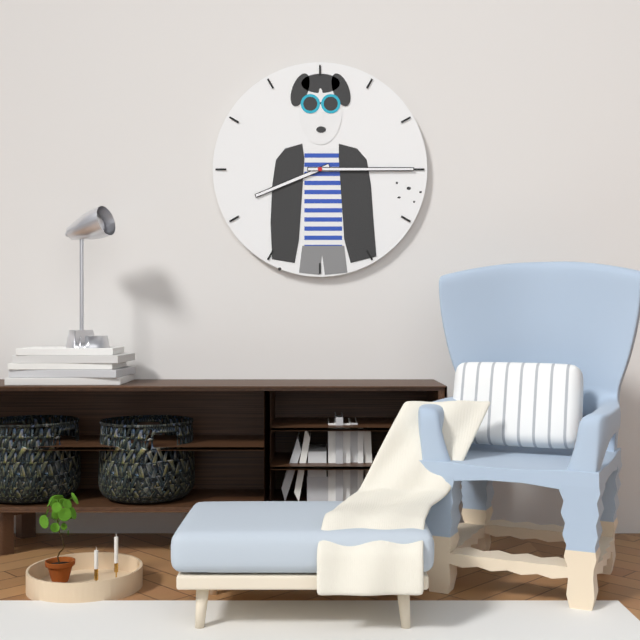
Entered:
8:15
